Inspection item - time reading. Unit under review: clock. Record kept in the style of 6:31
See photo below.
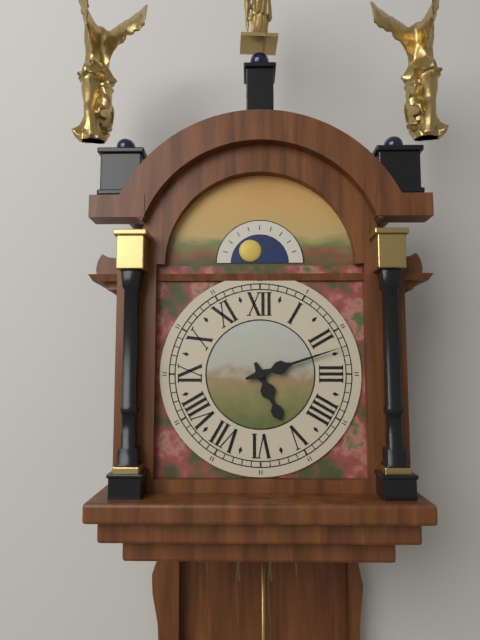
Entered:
5:12
